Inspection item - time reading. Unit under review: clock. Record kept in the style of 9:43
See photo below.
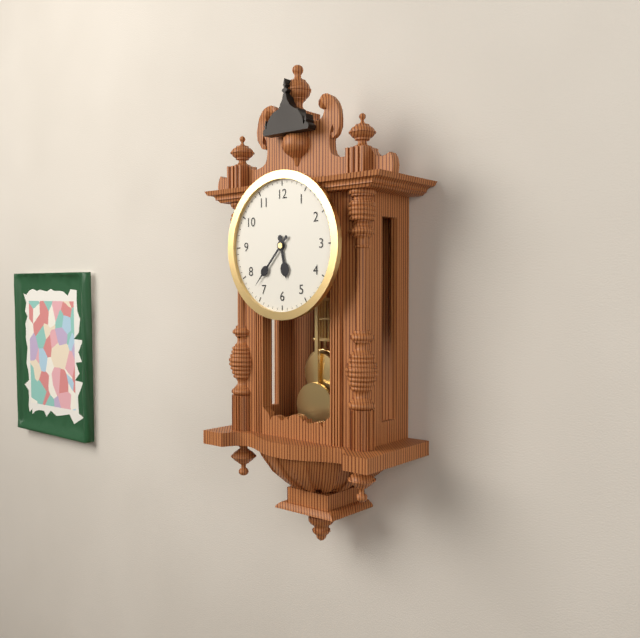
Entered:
5:37
